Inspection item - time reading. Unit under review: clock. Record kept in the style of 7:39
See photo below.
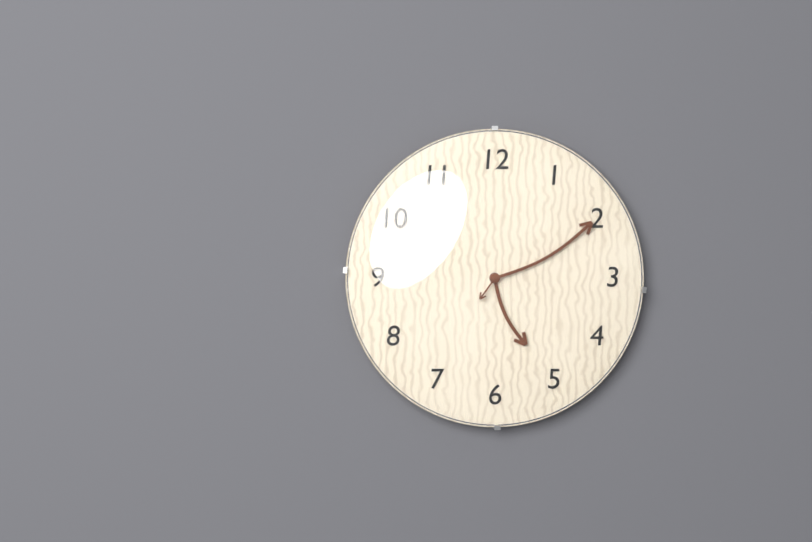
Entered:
5:10
